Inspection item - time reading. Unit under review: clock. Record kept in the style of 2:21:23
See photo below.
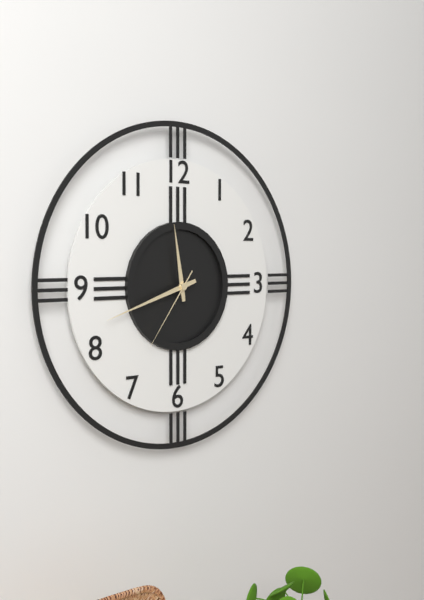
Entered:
11:42:36
